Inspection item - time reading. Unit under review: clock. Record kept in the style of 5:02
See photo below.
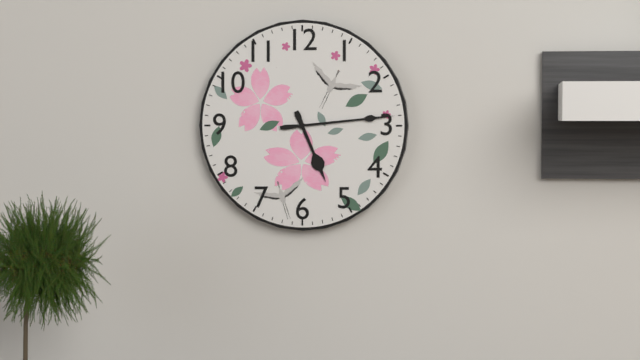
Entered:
5:14
